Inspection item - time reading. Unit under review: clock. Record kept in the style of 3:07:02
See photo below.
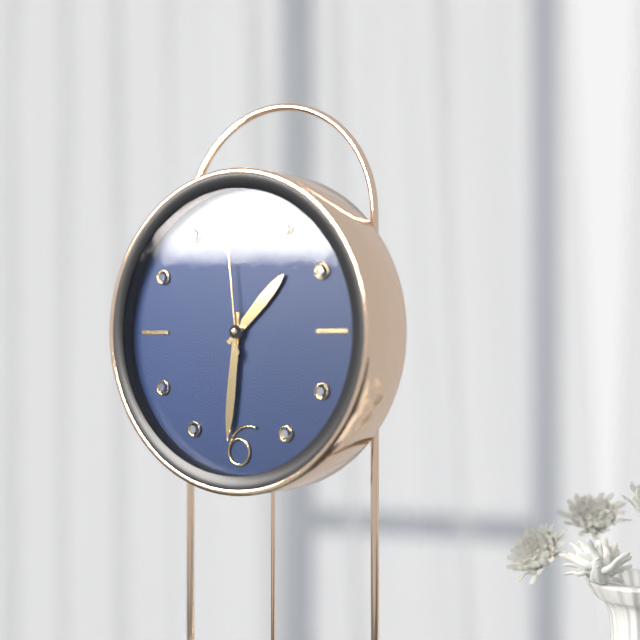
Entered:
1:31:59
